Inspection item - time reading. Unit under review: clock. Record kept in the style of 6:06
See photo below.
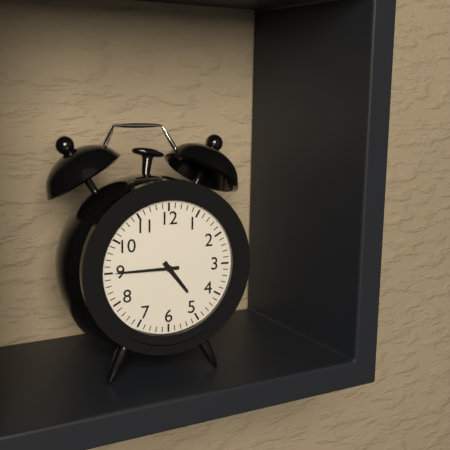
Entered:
4:45
